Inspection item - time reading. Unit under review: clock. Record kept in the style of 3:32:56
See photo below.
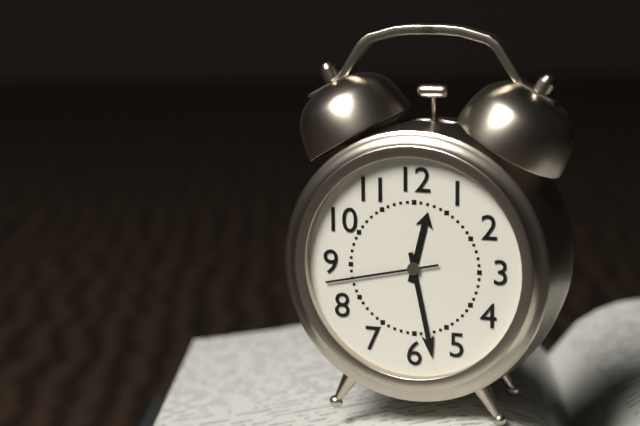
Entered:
12:28:43
